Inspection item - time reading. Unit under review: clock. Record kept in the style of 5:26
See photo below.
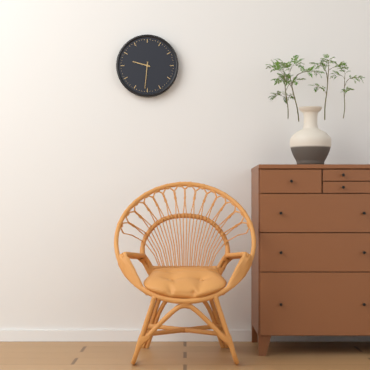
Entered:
9:31
